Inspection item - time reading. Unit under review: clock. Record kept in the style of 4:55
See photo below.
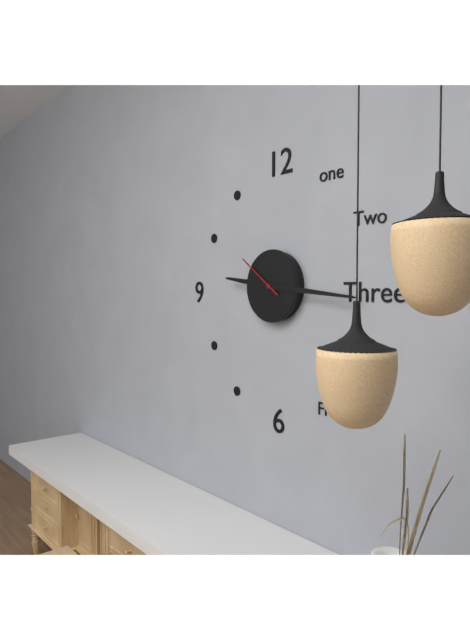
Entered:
9:16
